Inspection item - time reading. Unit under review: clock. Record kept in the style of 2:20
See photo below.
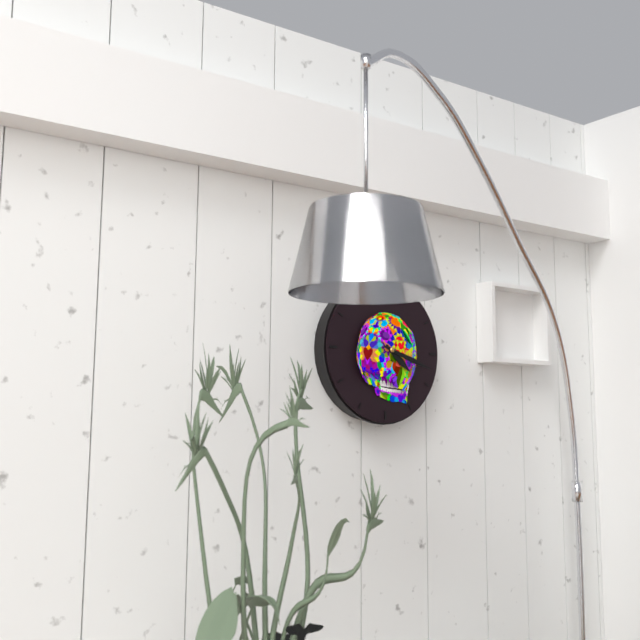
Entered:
4:18
